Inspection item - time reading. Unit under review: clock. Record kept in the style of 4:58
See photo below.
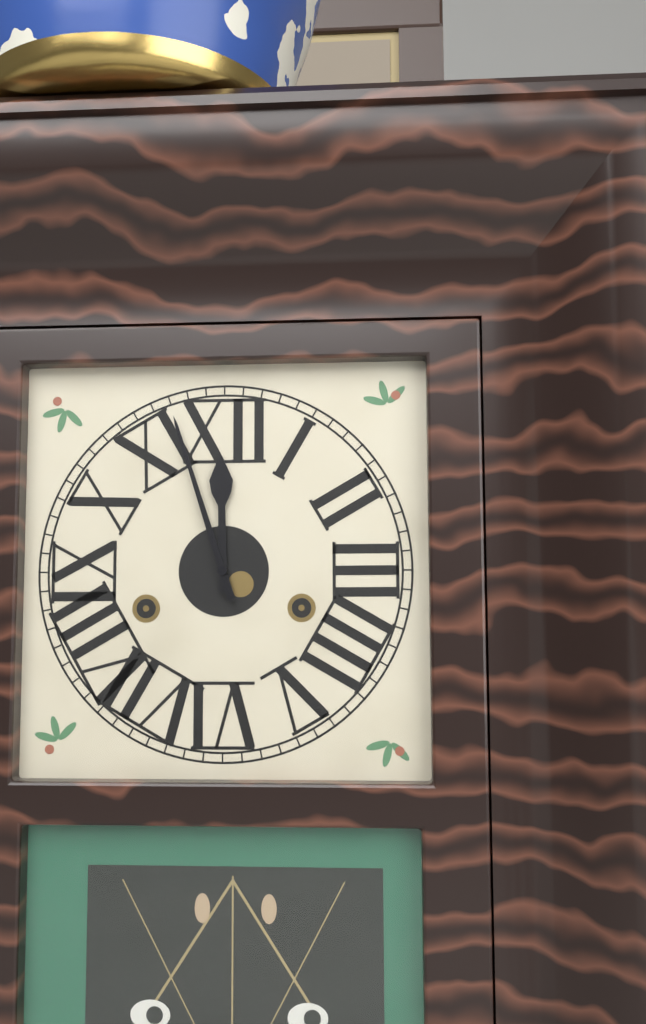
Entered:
11:57
